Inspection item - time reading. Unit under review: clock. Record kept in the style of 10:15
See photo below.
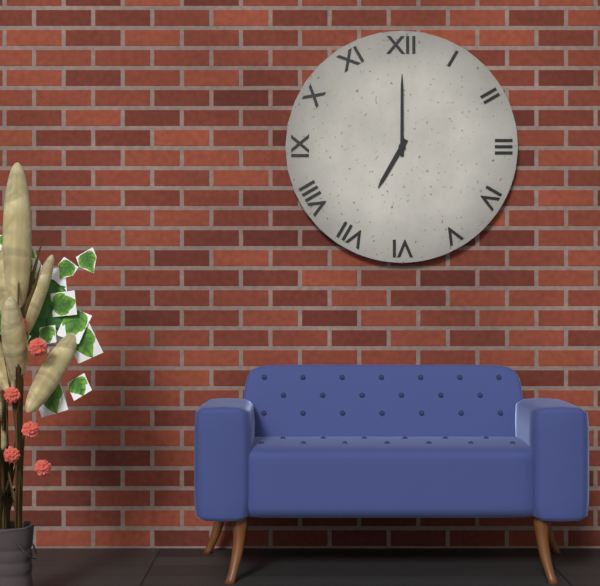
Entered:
7:00
